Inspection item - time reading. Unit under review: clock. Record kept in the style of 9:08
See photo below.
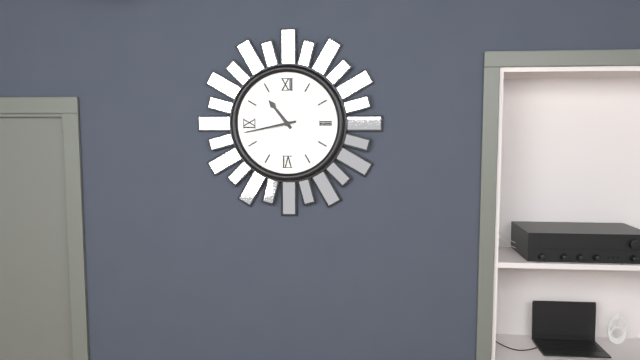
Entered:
10:43
